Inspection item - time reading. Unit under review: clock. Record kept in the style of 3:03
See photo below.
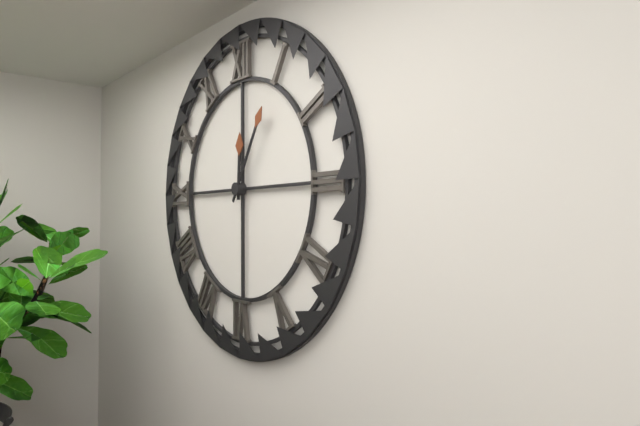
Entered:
12:05
